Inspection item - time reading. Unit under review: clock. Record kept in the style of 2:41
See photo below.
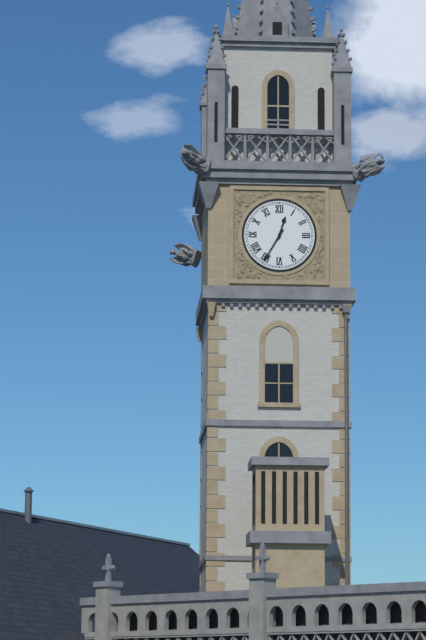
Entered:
12:35
